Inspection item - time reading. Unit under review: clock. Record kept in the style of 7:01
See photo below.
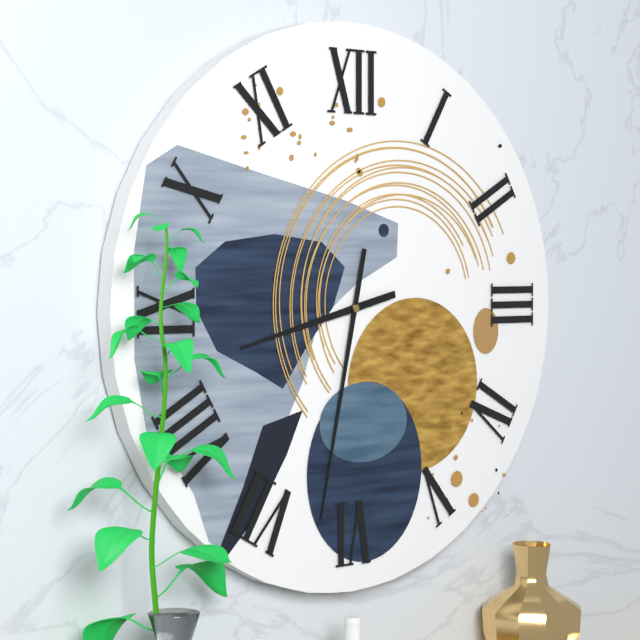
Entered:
8:32
